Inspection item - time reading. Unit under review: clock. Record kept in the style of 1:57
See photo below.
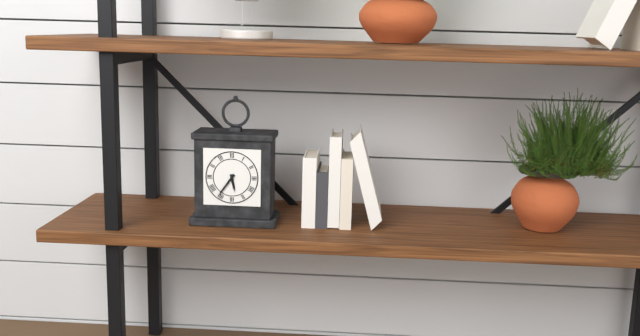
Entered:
5:36
